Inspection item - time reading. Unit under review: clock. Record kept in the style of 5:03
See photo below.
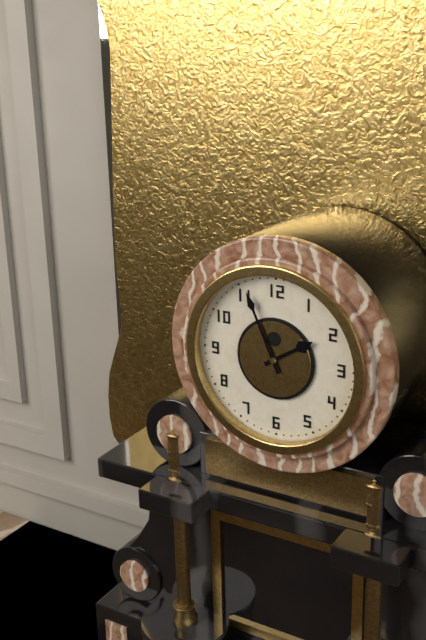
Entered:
1:56
